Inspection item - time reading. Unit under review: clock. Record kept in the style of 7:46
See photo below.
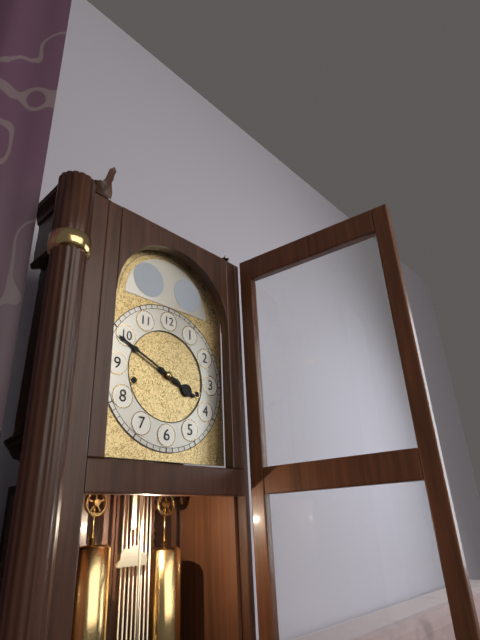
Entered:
3:49
